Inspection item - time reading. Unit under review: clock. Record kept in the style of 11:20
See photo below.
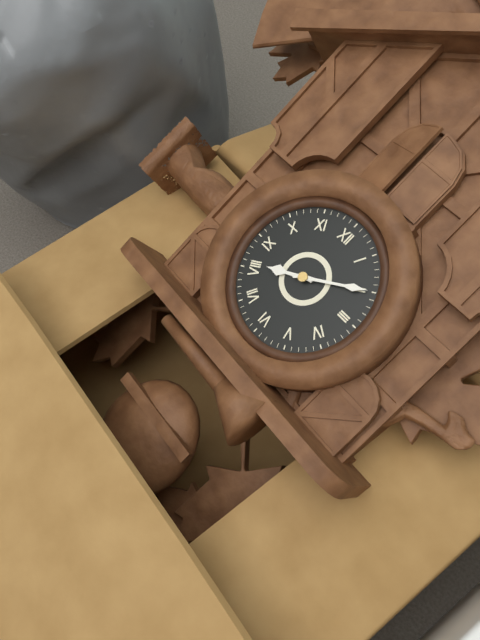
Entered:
8:10
